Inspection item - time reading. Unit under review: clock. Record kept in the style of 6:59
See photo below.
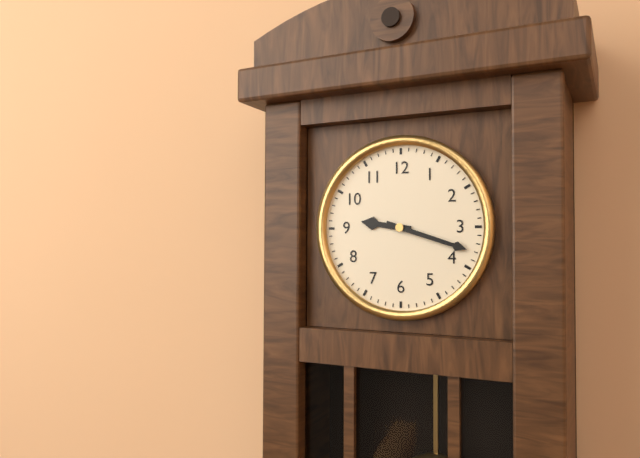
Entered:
9:18
